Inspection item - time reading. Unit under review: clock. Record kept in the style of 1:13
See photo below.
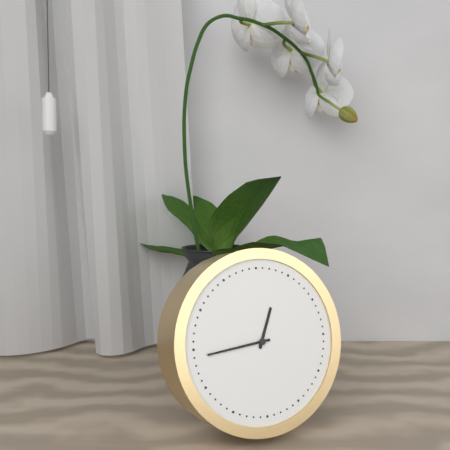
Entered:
12:44
